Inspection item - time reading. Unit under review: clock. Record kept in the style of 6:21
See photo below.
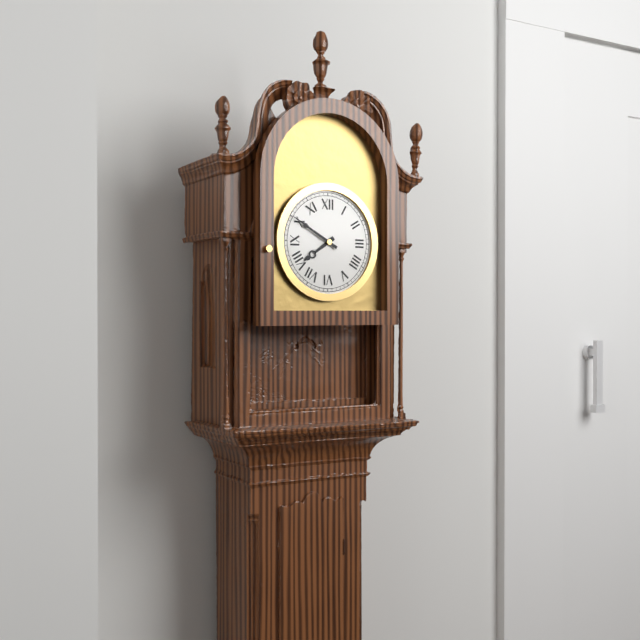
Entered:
7:50
